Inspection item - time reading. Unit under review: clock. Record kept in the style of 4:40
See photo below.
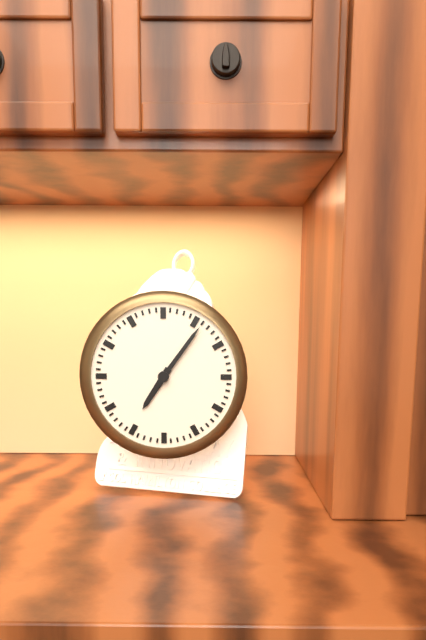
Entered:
7:06
